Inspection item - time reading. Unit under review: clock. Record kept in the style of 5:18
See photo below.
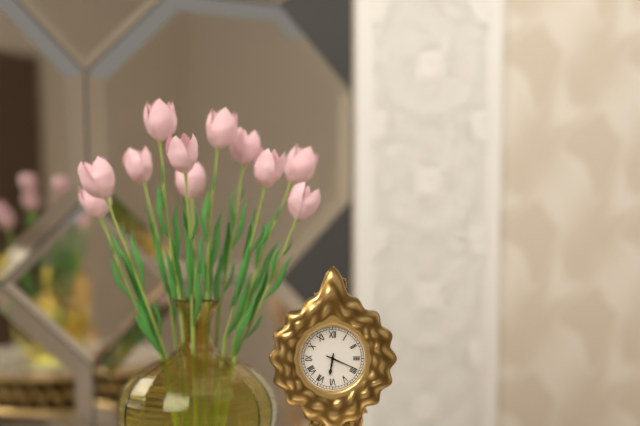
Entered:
6:19
